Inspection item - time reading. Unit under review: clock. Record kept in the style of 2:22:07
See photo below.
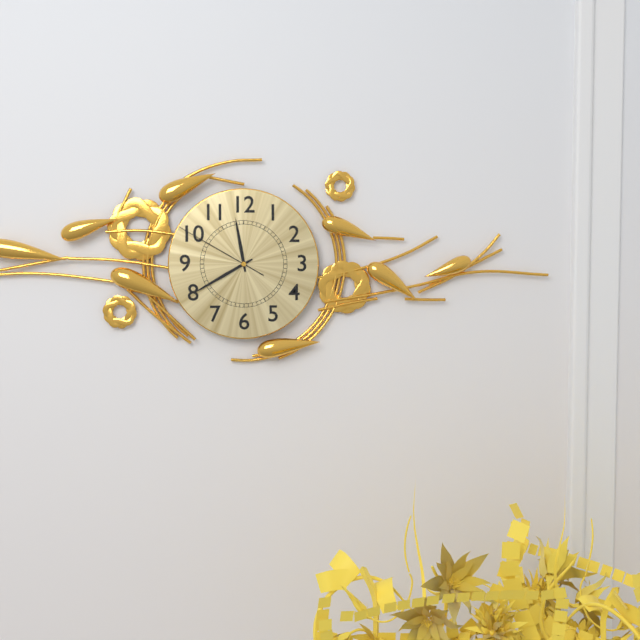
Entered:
11:40:50
